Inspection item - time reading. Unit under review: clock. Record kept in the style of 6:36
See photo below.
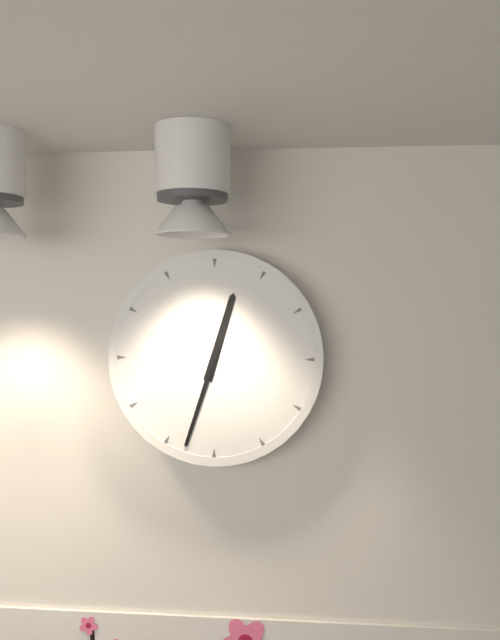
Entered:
12:33
